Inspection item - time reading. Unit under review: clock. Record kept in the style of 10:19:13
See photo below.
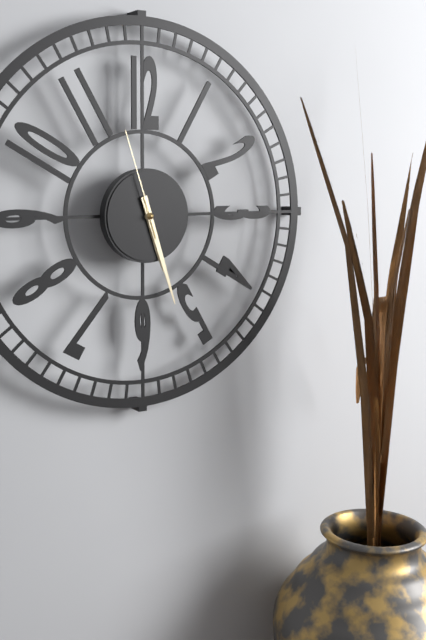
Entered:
5:27:57
